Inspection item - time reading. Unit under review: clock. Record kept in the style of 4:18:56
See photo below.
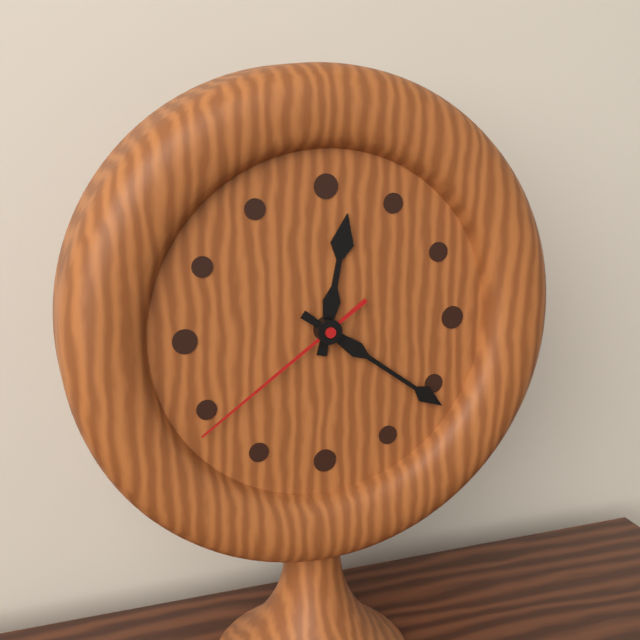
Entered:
12:21:39
